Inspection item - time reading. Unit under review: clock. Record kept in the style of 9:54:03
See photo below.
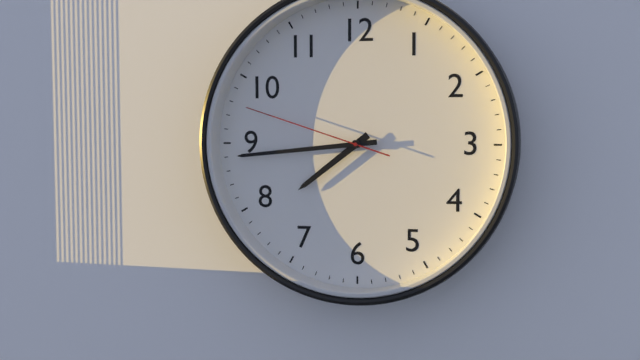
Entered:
7:44:48
